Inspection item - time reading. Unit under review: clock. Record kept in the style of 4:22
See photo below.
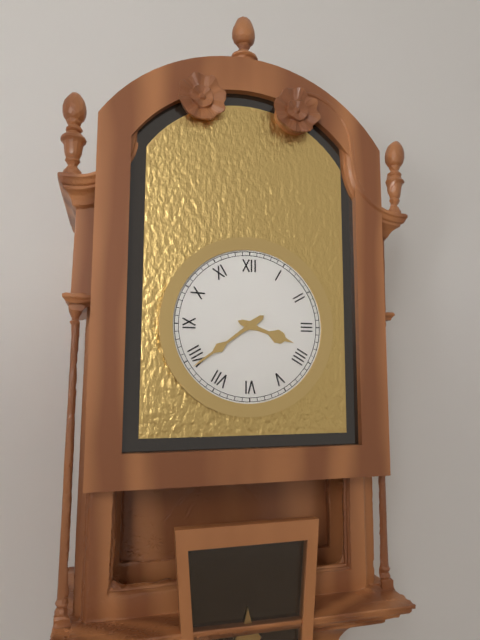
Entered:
3:39
